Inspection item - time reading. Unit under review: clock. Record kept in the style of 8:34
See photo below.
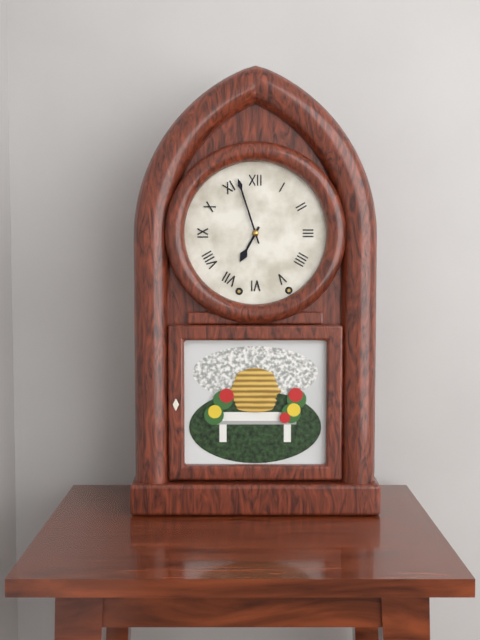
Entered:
6:57
